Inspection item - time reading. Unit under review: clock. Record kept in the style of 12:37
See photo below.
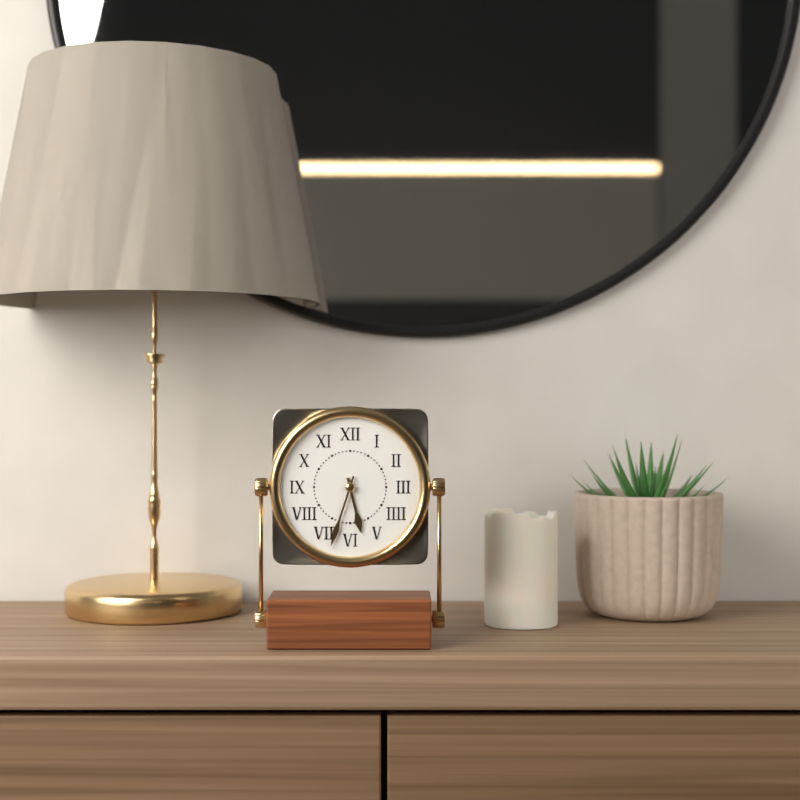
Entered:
5:33
